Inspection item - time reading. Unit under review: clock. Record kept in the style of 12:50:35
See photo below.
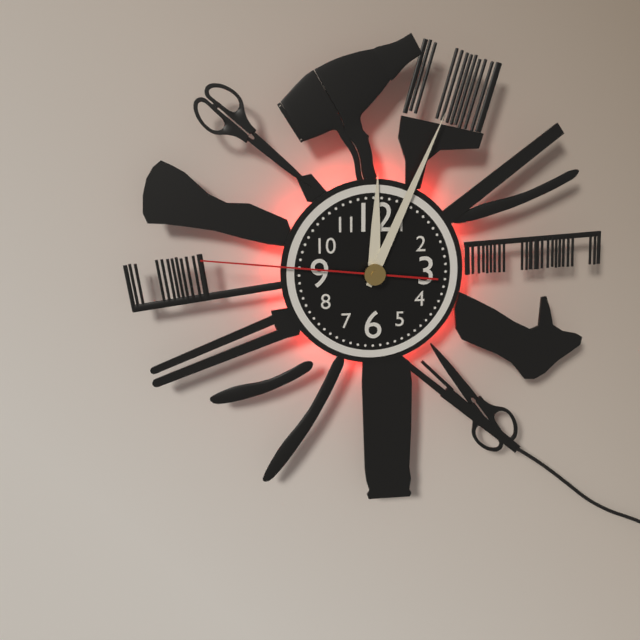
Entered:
12:04:46
